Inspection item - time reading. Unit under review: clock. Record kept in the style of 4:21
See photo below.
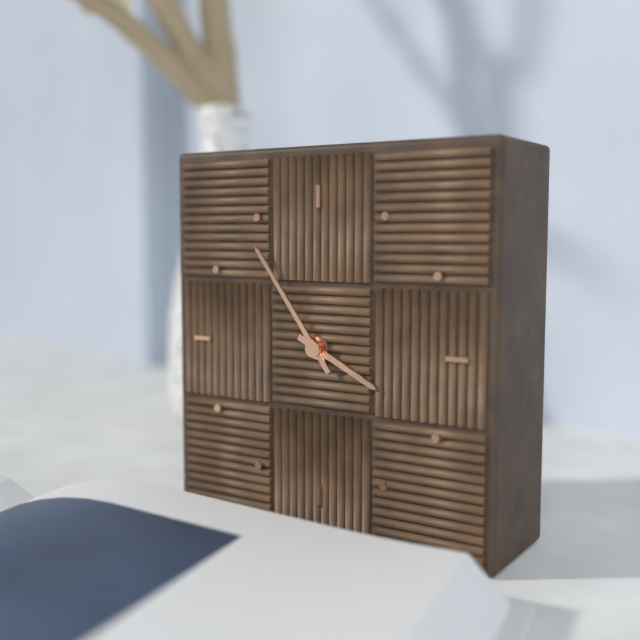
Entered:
3:54
